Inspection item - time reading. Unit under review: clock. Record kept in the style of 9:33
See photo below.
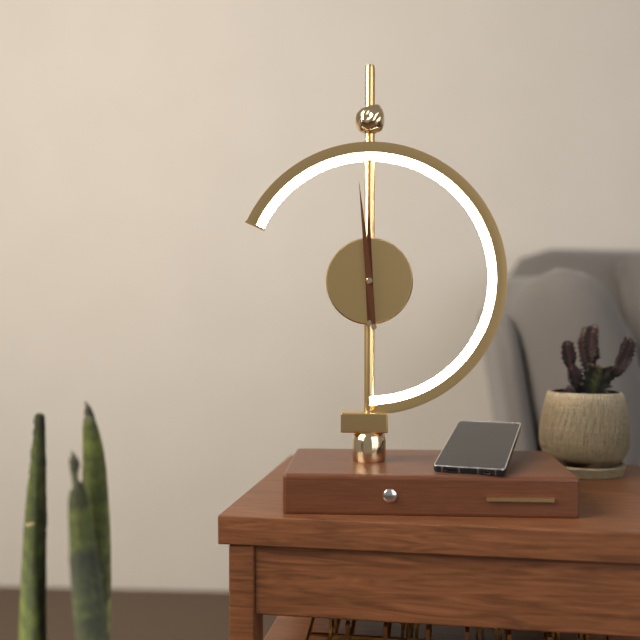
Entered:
11:59
